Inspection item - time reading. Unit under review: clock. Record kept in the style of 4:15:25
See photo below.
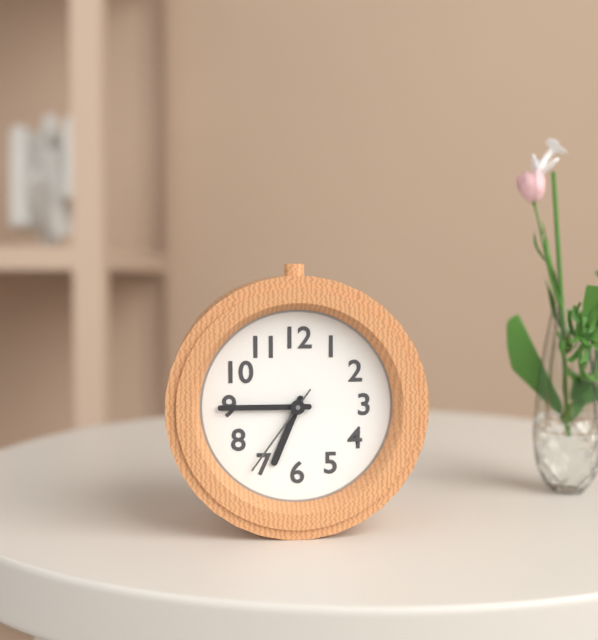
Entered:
6:45:36
